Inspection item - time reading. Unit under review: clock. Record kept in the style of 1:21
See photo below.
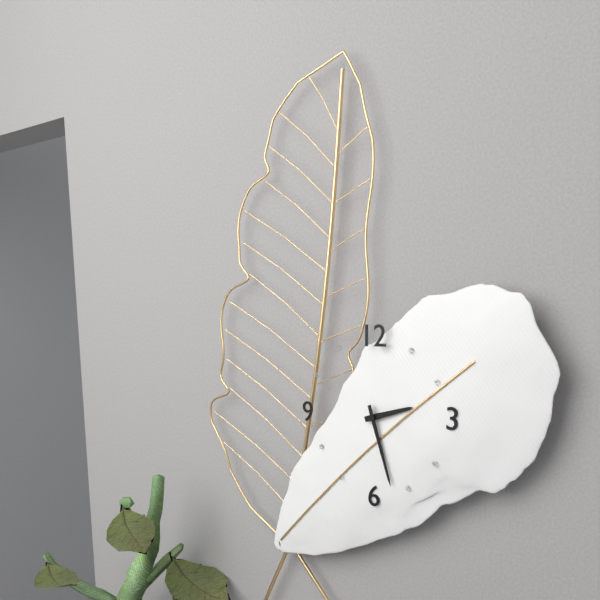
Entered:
2:27
